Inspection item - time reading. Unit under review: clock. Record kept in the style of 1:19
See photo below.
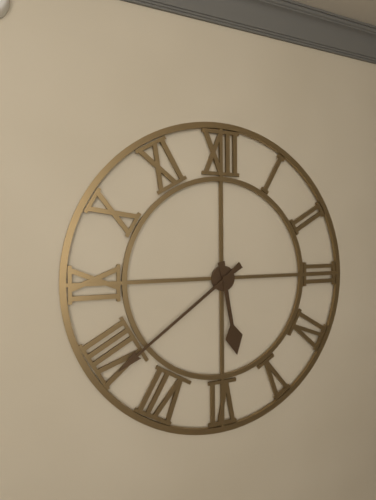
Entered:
5:39
